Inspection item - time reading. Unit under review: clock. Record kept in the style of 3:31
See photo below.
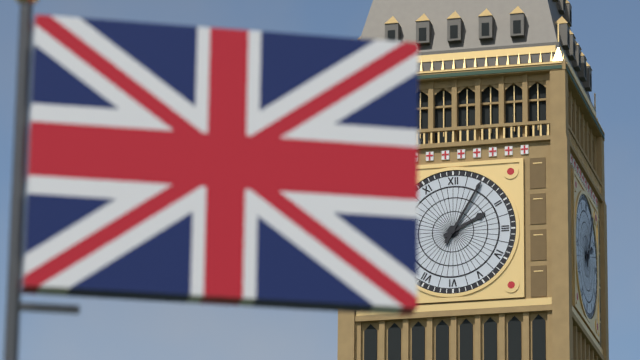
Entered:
2:05
